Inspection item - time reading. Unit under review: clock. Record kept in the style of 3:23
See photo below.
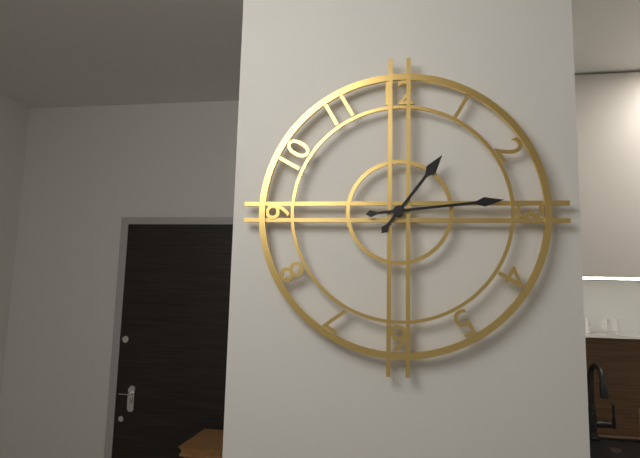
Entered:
1:14
